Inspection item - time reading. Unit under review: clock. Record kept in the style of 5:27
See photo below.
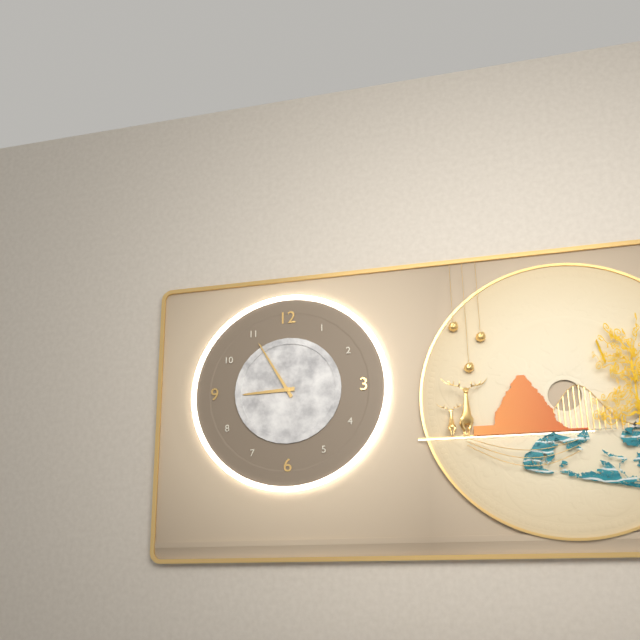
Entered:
8:55
